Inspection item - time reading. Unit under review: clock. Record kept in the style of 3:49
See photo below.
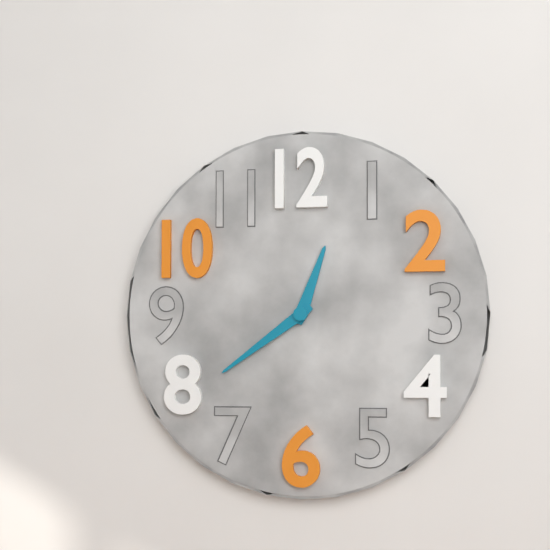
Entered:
12:39
